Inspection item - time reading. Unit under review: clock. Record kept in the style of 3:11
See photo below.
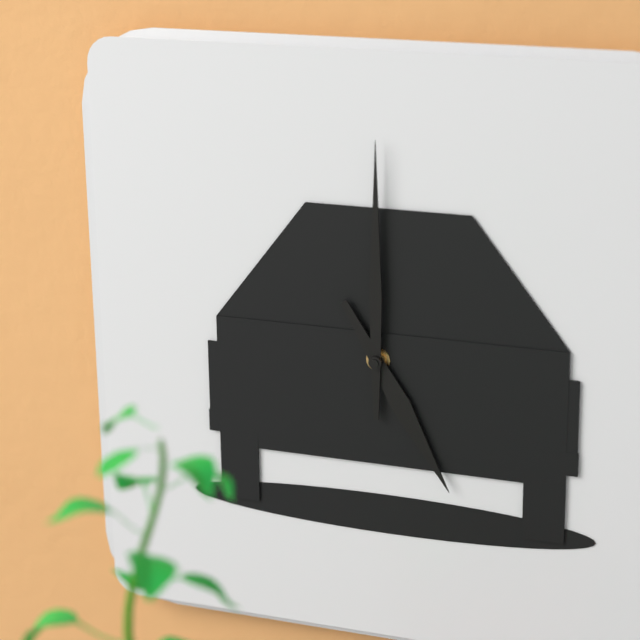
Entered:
5:00
